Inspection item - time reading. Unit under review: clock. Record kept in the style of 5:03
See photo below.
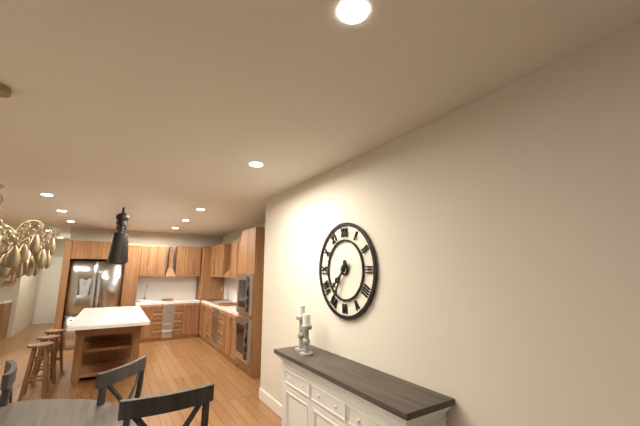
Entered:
7:35
